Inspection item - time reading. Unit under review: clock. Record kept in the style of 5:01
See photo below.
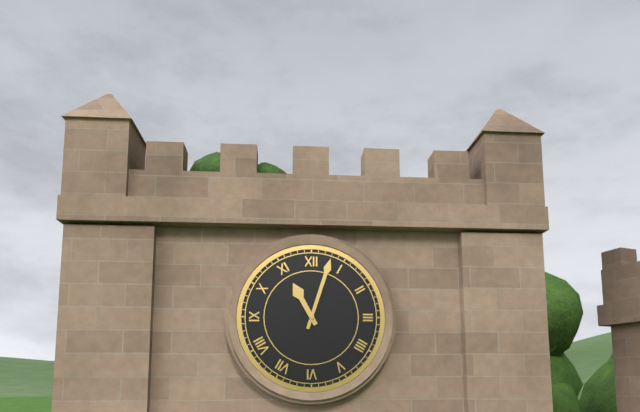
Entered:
11:03
